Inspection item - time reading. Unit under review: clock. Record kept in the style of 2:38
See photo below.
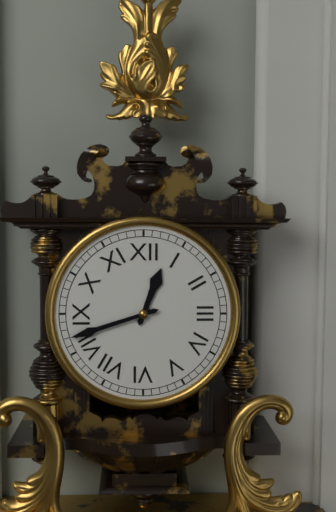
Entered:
12:42
